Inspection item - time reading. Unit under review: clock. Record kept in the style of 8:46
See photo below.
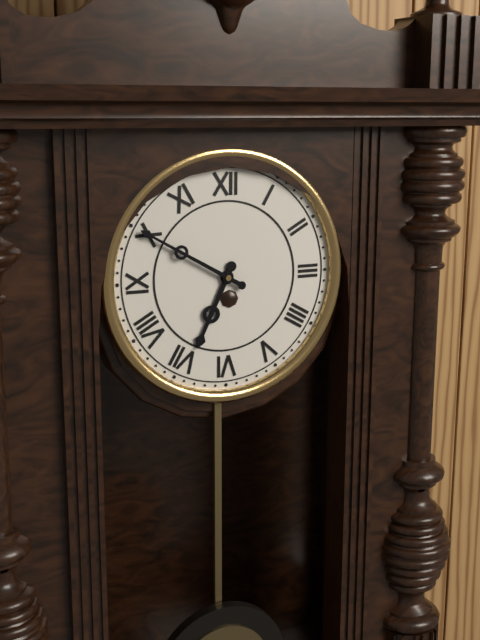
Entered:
6:50
